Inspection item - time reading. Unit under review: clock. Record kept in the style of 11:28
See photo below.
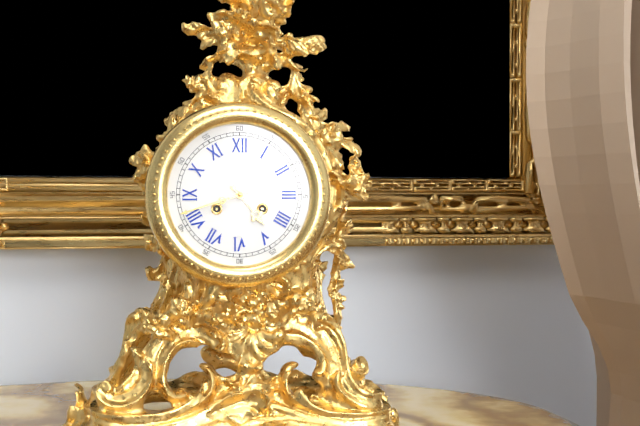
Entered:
4:42
